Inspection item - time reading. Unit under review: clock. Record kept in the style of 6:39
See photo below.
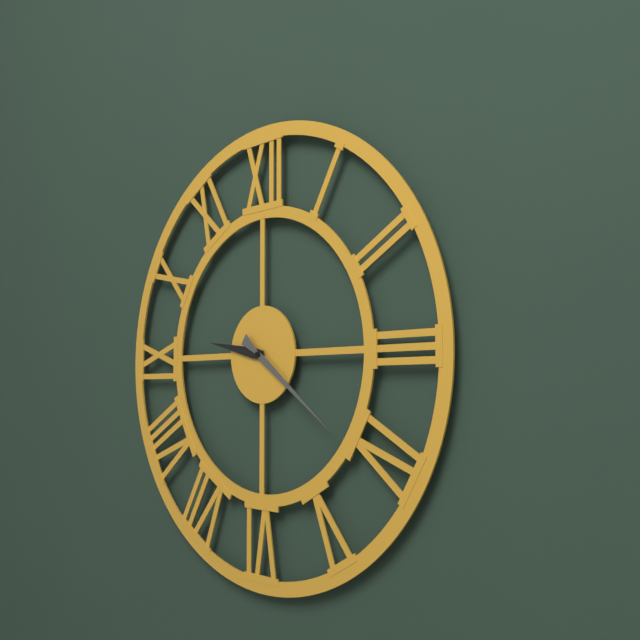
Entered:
9:21
